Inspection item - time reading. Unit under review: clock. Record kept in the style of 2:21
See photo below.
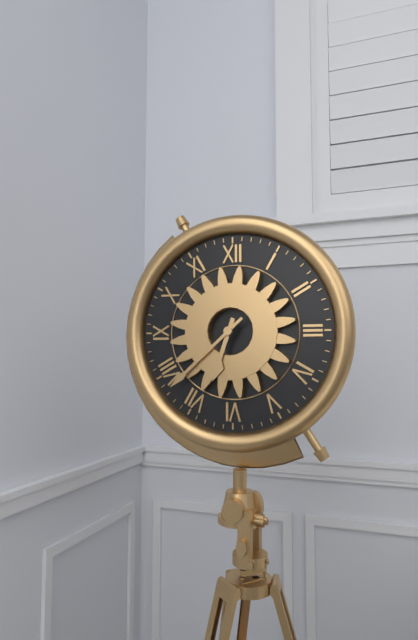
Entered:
6:38
